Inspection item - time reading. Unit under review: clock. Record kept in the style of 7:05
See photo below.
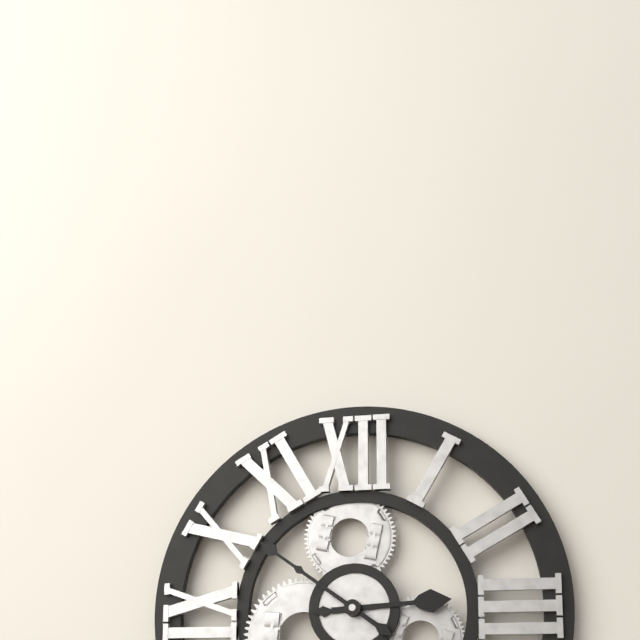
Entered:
2:51
